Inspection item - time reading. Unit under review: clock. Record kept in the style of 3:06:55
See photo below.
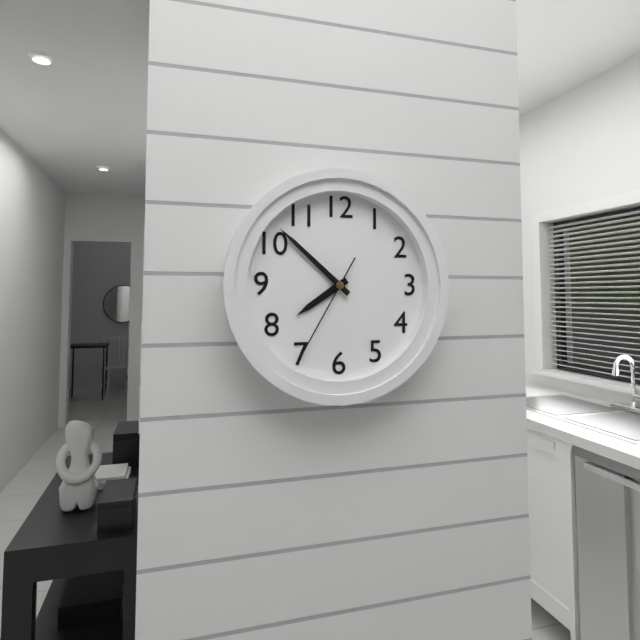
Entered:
7:52:35
